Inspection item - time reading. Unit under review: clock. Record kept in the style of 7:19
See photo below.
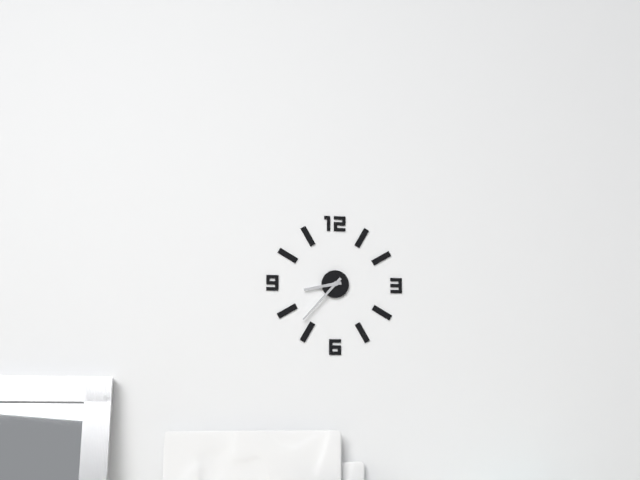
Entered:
8:37
